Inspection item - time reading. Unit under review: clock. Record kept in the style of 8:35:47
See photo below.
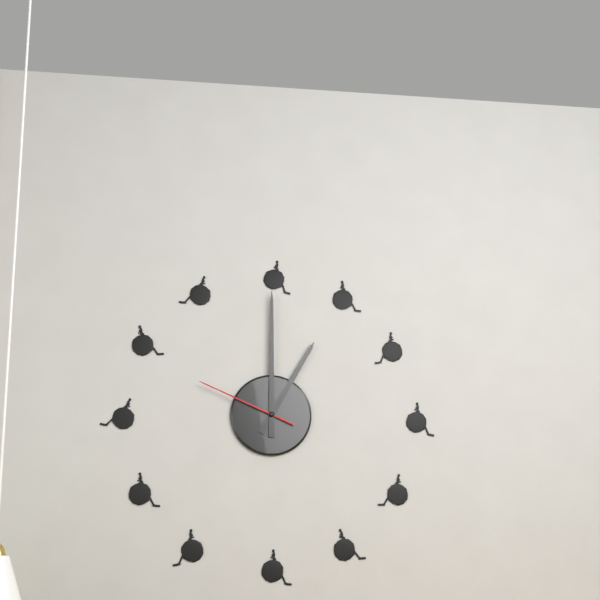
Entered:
1:00:49
